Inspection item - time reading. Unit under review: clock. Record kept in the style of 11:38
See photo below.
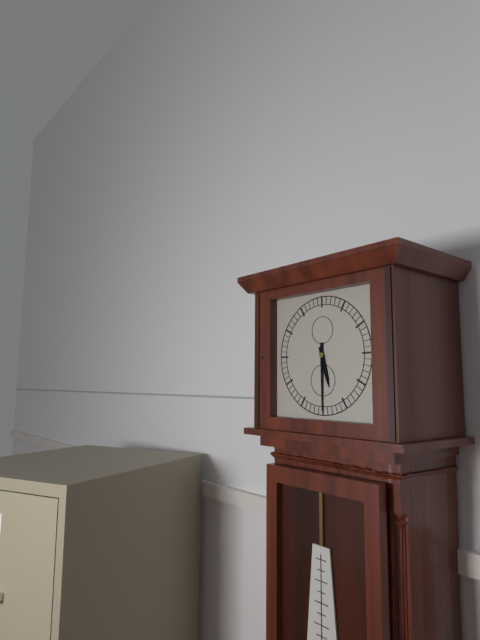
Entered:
5:30
